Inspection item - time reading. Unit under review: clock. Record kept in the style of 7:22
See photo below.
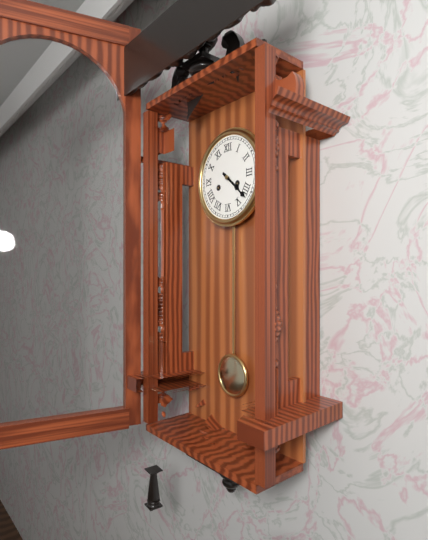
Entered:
4:22
